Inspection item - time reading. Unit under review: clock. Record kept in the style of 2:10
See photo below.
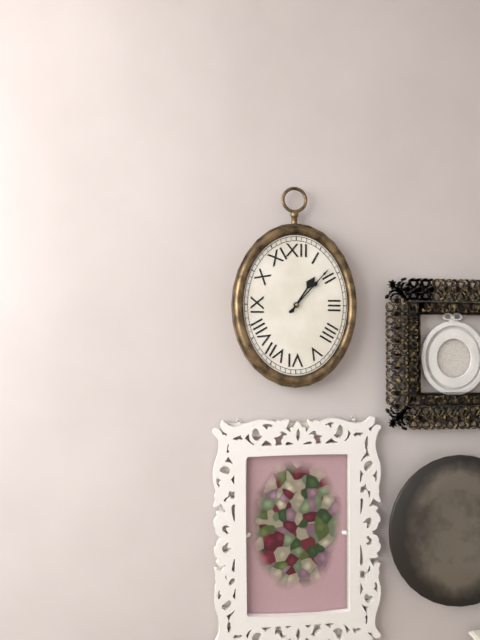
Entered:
1:07
